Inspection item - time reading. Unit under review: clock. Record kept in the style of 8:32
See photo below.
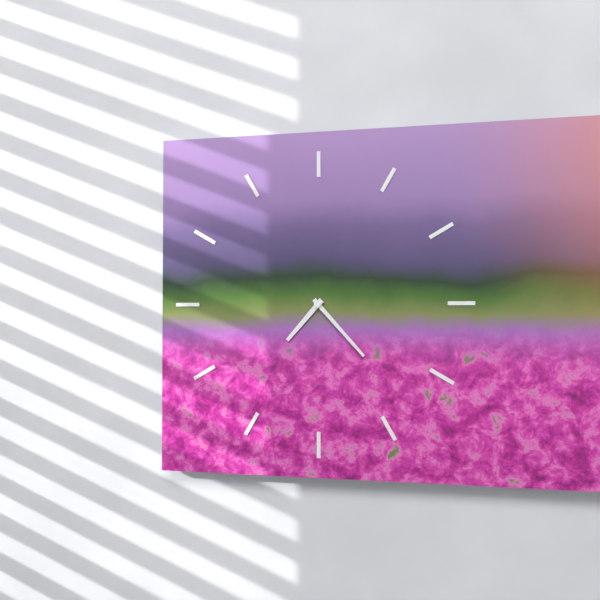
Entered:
7:23
